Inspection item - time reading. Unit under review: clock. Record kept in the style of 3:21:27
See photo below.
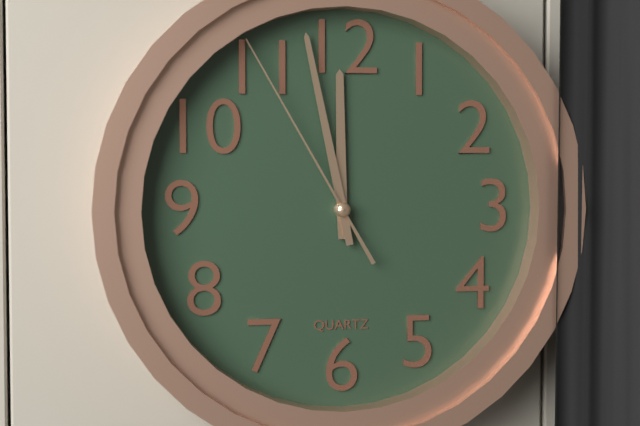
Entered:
11:58:55
